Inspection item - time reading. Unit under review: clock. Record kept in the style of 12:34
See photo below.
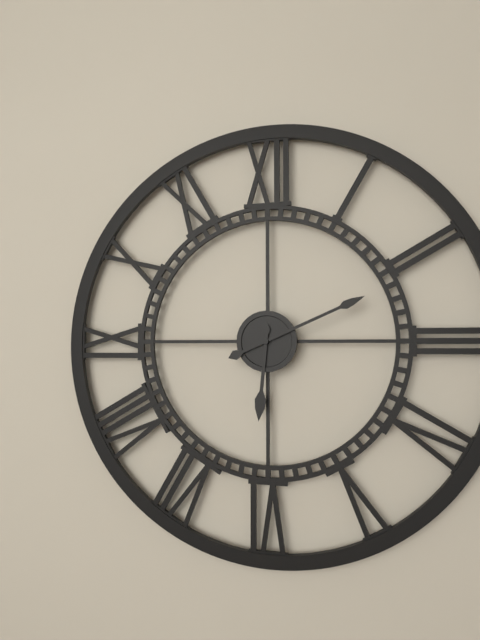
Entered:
6:11
